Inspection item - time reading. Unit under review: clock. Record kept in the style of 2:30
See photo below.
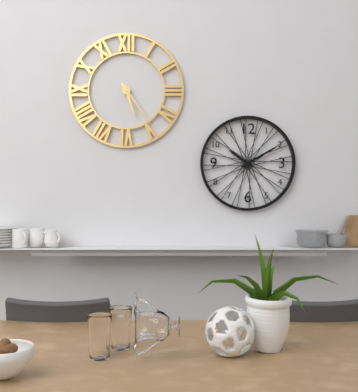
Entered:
5:24
